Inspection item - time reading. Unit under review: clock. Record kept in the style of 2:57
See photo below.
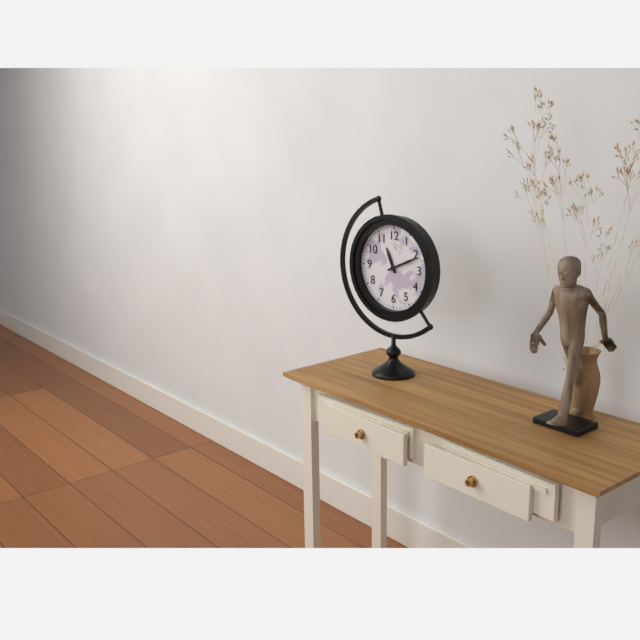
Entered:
11:11
